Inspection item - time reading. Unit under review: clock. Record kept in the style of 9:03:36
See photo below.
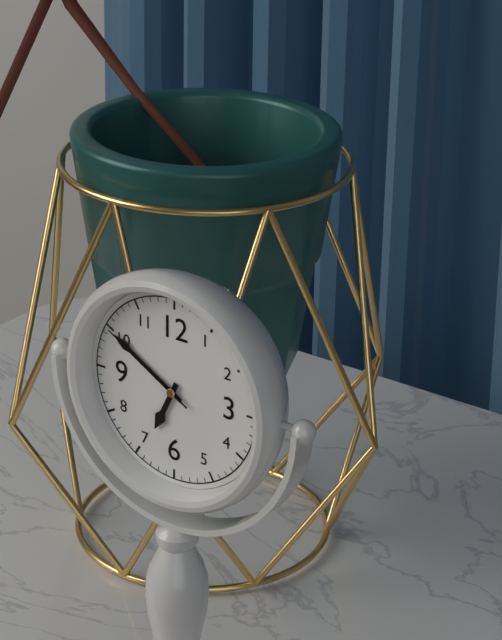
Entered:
6:50:50
